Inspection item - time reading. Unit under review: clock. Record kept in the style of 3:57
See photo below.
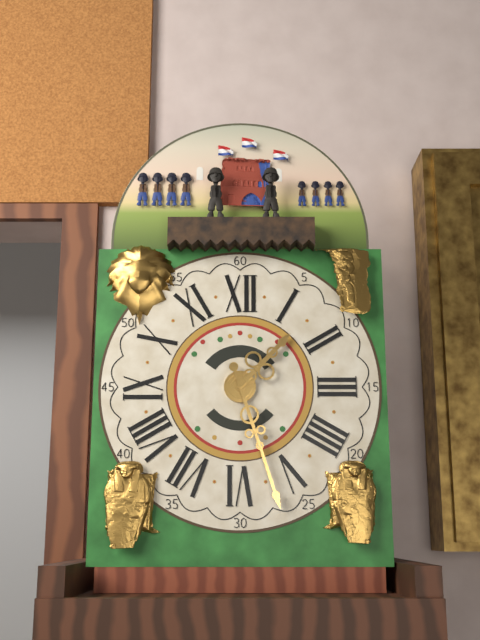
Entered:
1:27
